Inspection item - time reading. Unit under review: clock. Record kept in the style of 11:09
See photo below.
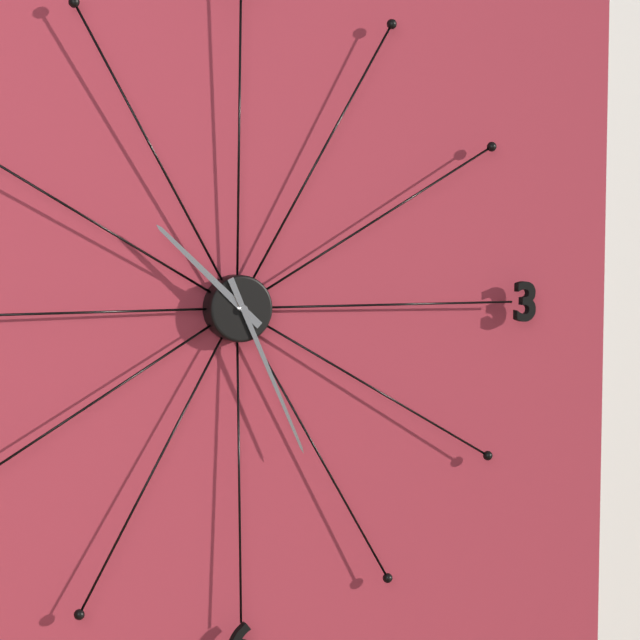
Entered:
10:26
